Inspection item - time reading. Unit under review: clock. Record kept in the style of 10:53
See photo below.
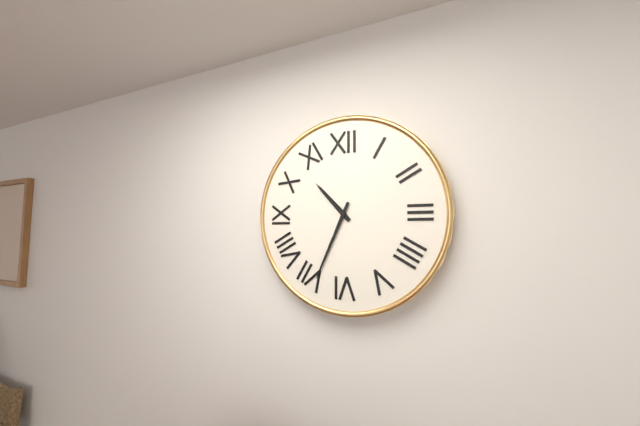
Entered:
10:34
